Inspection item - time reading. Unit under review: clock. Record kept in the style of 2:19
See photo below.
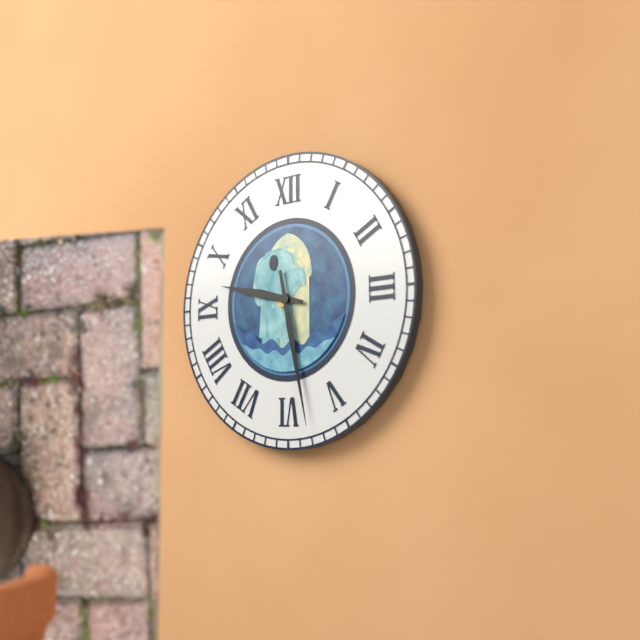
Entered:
9:28
